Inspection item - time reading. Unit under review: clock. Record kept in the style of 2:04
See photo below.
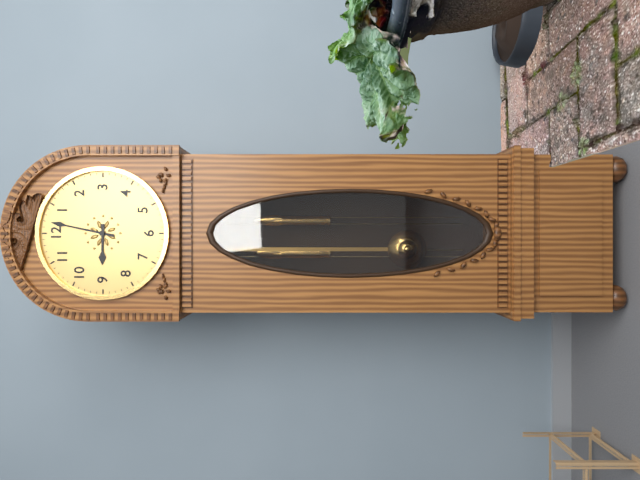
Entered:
9:02
